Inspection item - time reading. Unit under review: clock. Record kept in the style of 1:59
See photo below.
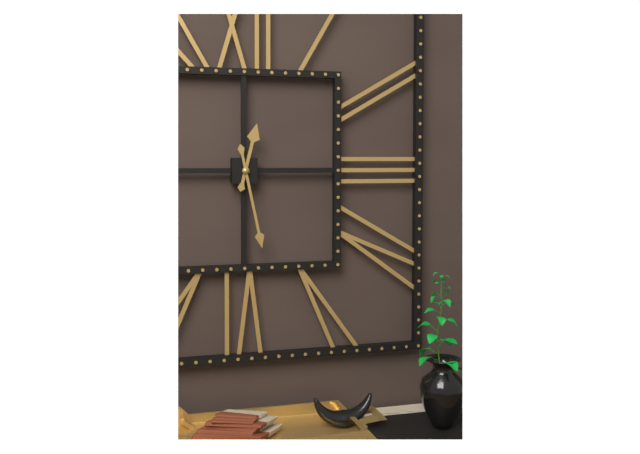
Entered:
12:28
